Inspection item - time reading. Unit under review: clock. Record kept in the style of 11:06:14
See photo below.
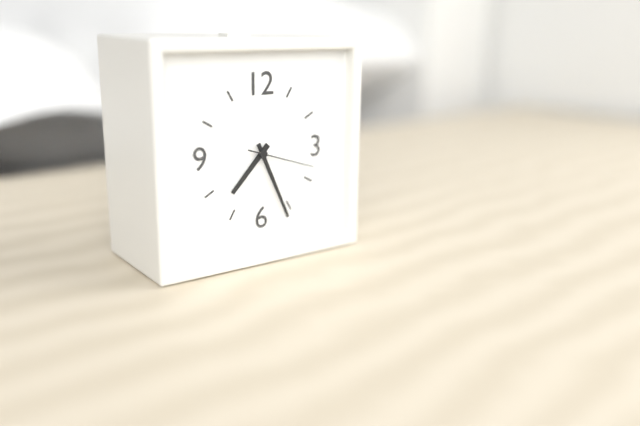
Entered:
7:26:18
